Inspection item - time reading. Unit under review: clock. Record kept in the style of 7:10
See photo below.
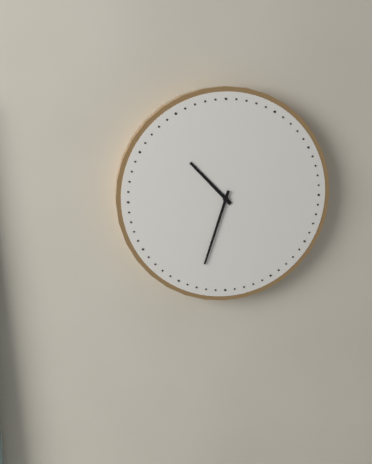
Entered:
10:33
